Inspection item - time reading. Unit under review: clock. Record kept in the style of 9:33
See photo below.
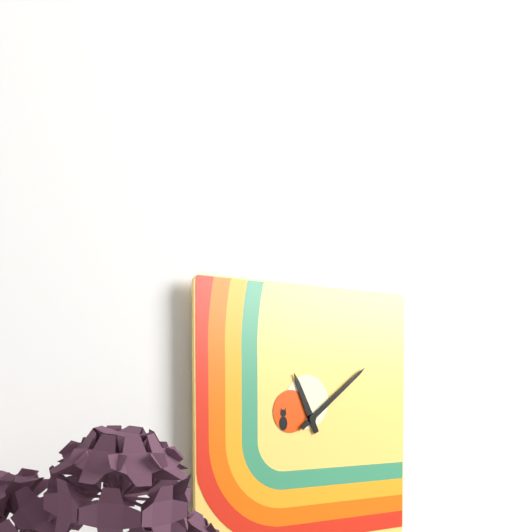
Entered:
11:09
